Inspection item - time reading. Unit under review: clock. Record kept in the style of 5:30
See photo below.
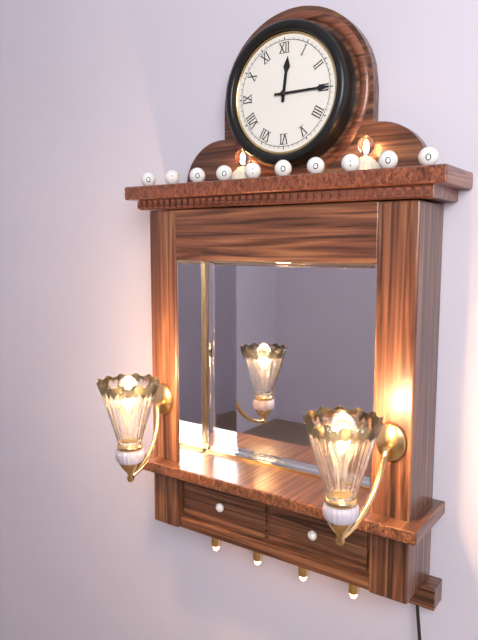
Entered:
12:15
